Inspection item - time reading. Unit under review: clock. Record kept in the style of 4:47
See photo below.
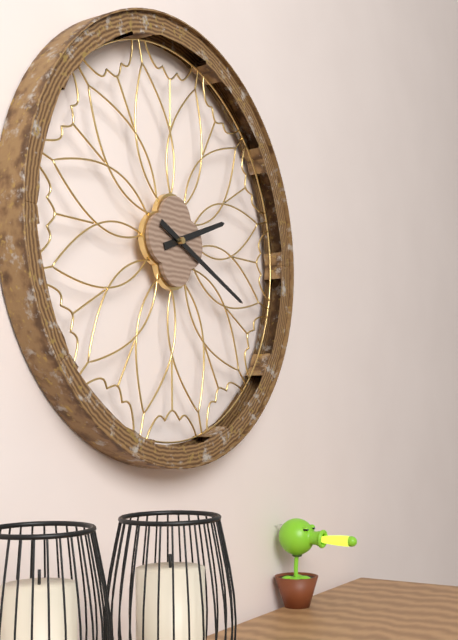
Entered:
2:19
